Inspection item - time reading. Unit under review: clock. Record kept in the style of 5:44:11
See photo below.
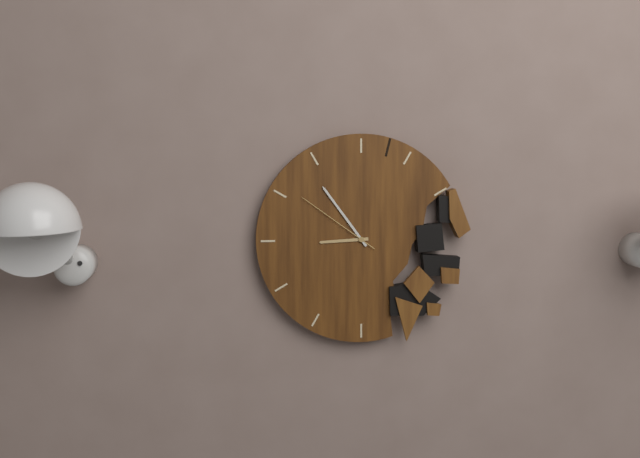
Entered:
8:54:51
